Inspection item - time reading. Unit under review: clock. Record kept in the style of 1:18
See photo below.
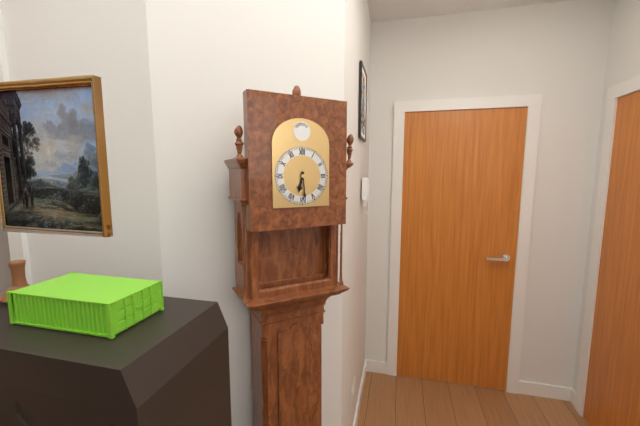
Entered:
6:29
